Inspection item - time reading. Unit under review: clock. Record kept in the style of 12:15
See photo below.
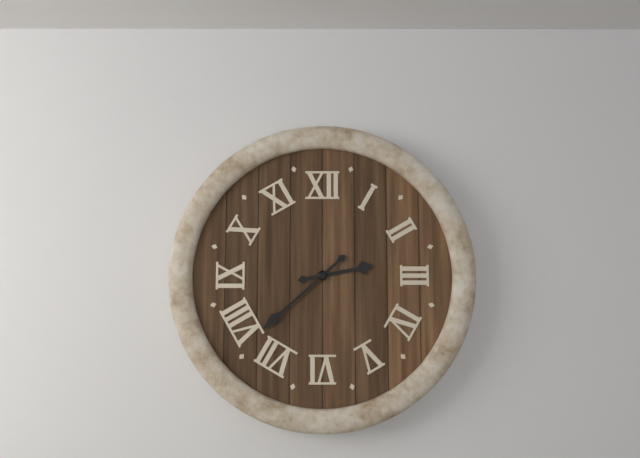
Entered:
2:38
